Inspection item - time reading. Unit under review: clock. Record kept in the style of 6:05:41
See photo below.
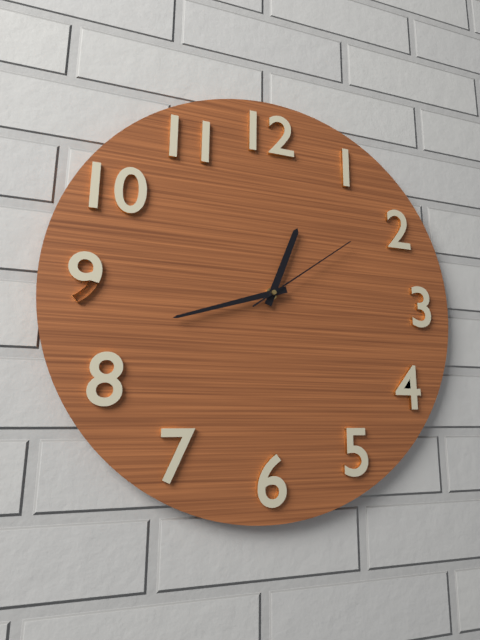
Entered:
12:42:09
